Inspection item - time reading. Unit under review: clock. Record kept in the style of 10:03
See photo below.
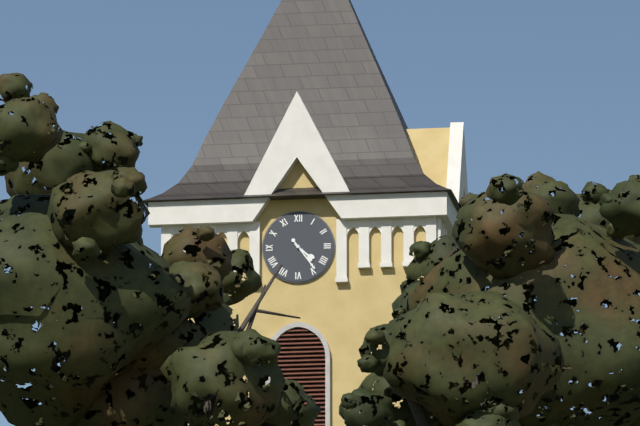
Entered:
4:24
